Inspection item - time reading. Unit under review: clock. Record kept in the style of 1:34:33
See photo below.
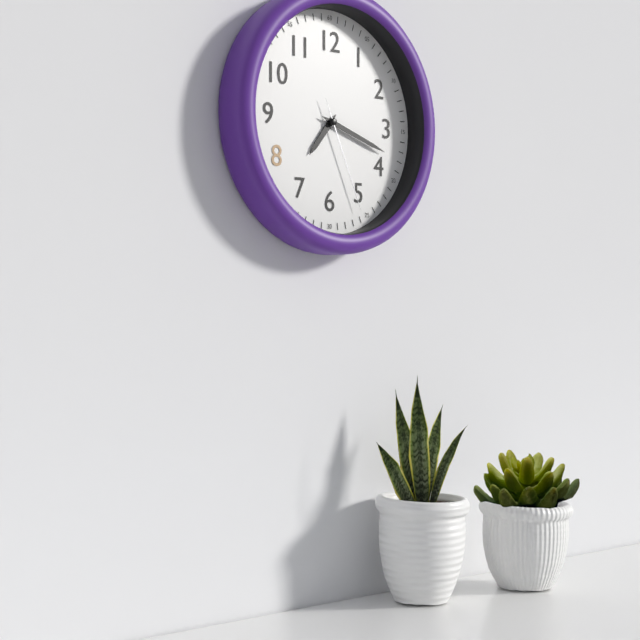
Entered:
7:18:26
